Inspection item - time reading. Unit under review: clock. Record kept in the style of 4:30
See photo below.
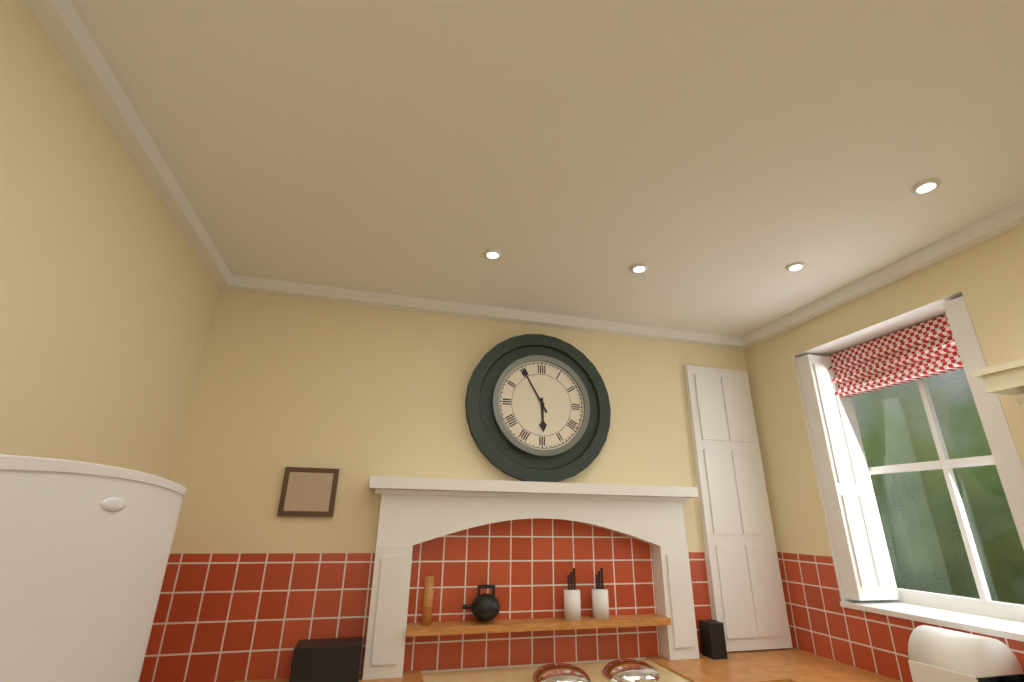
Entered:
5:55
